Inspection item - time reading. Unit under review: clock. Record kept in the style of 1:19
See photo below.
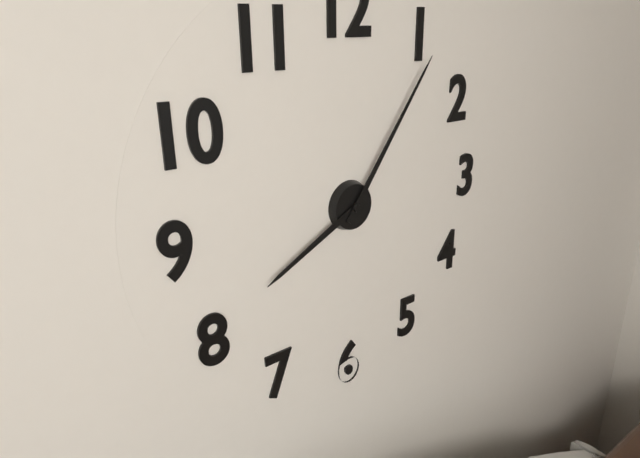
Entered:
8:06
